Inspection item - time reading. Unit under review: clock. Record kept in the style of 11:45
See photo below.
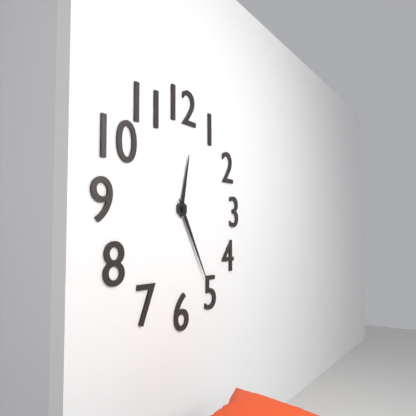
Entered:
12:25
